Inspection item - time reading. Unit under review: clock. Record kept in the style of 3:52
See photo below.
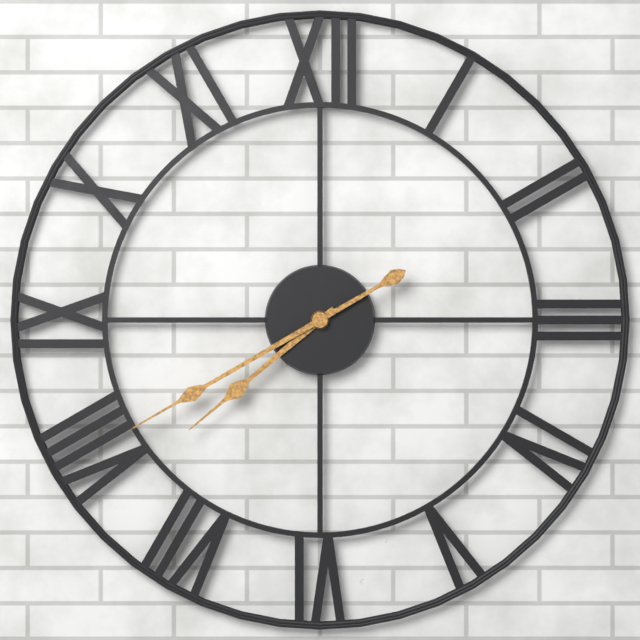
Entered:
7:40
